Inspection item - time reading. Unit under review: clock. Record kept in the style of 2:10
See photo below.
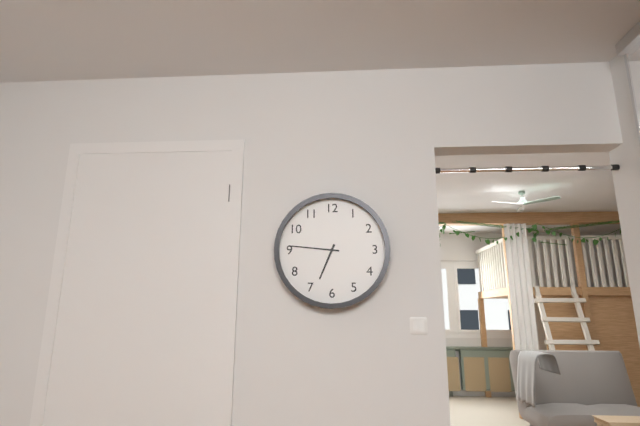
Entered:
6:46
